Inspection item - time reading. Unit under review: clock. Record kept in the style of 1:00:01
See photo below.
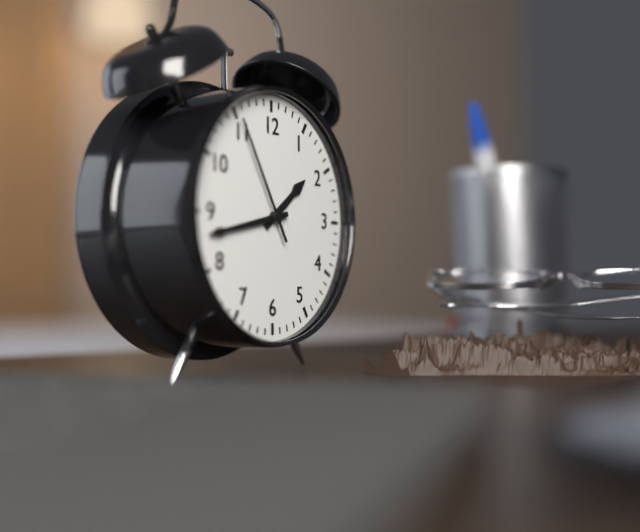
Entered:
1:43:55
